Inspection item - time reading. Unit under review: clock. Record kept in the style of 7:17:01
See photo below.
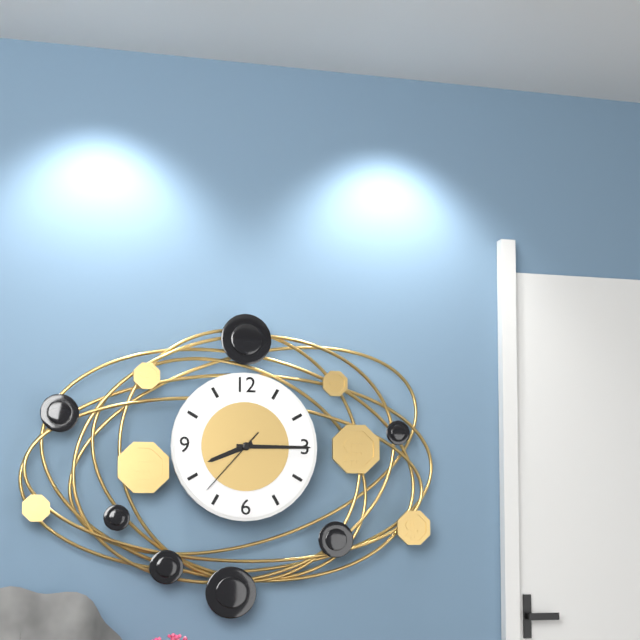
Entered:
8:15:37
